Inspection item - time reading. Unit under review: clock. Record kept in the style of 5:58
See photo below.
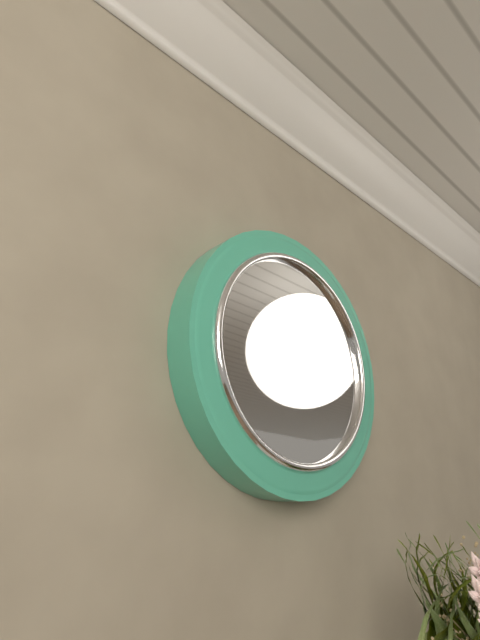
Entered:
7:19
